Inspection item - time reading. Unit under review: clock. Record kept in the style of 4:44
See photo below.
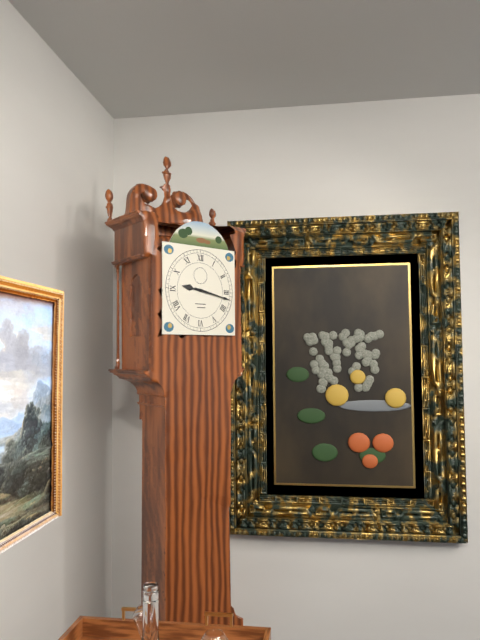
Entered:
9:17
